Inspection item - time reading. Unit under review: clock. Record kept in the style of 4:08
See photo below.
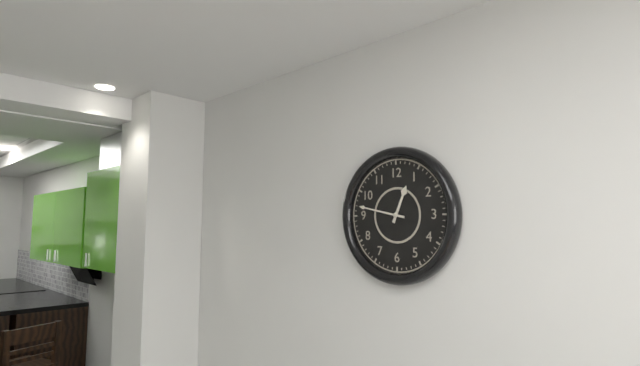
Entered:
12:47
